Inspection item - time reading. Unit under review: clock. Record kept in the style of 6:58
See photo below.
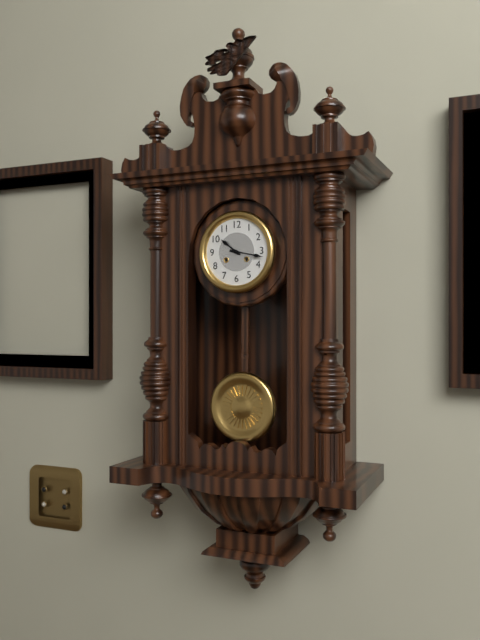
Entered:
10:17
